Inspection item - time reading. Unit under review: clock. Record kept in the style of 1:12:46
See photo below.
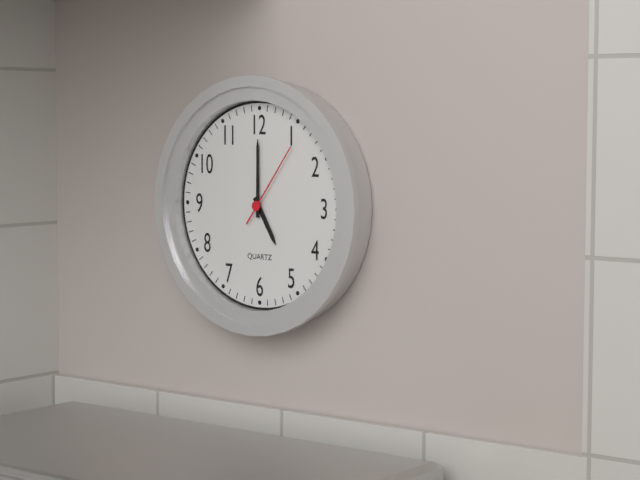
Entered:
5:00:06
